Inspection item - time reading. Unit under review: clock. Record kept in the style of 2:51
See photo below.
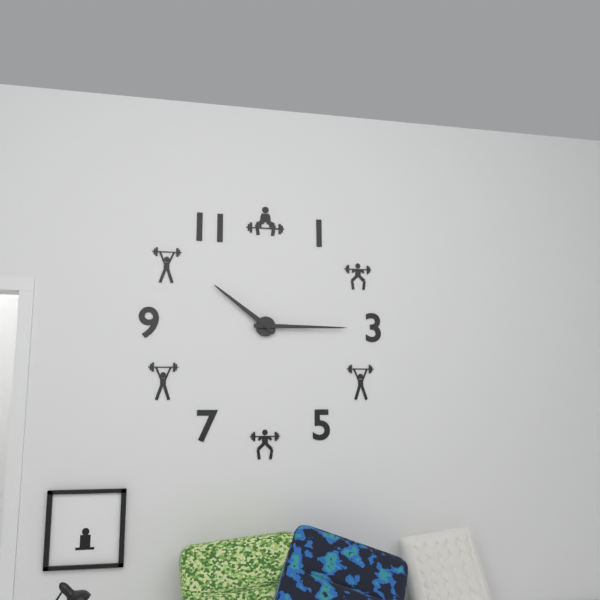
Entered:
10:15
